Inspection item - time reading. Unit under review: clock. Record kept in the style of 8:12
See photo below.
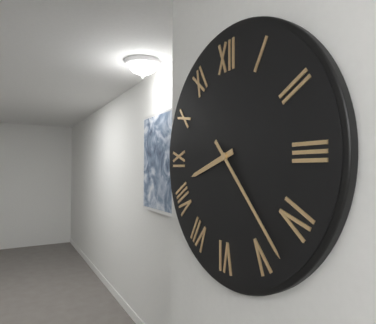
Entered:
8:23
